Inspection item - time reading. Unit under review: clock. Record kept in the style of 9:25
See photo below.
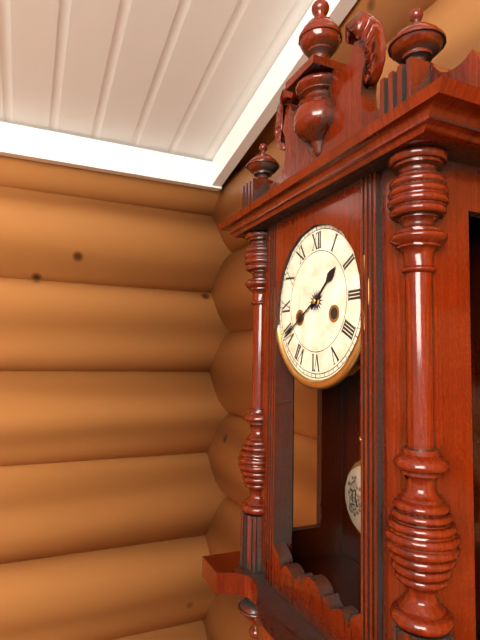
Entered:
1:40
